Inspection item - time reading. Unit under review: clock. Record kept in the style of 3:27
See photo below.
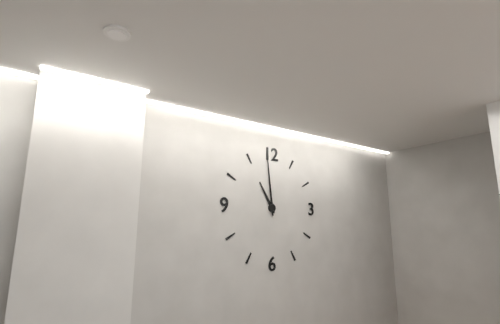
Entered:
10:59
